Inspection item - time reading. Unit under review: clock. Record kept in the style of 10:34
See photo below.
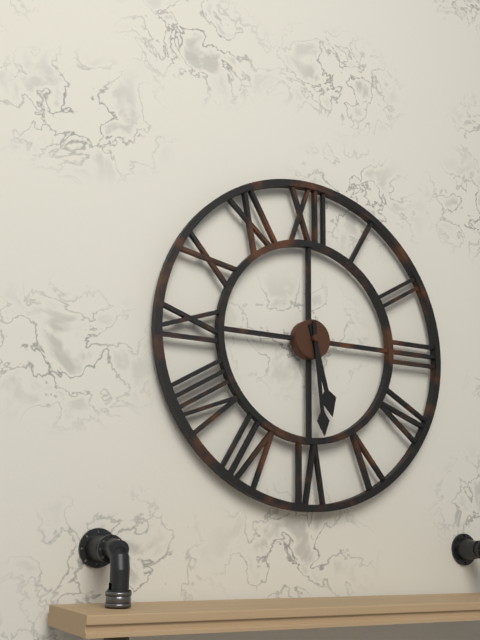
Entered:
5:29
